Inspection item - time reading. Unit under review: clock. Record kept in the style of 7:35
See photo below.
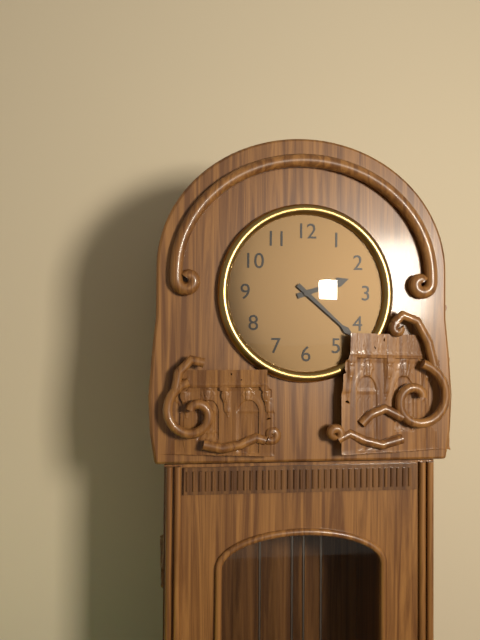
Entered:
2:22
